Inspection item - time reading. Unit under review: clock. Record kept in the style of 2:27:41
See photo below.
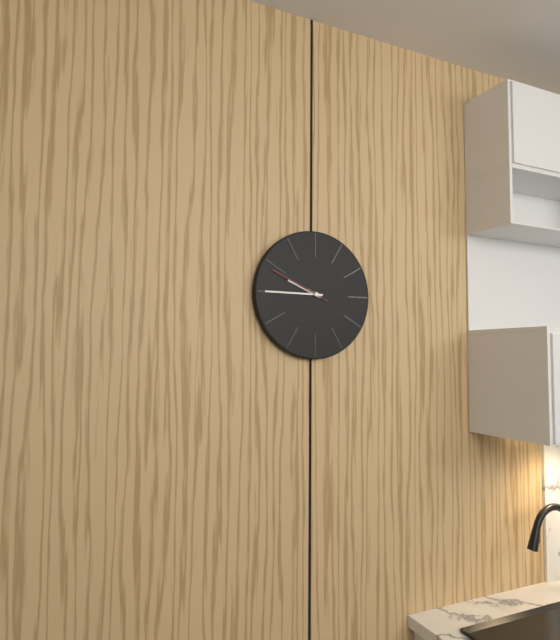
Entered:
9:45:49
